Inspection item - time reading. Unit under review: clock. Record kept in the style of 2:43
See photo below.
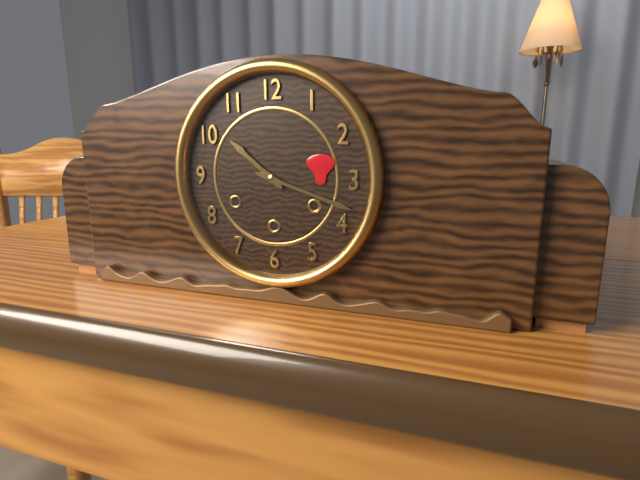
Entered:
10:18
